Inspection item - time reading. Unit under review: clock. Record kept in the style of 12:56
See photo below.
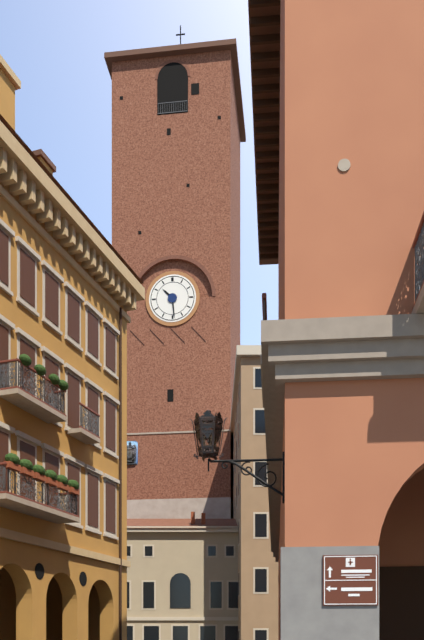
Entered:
10:29
